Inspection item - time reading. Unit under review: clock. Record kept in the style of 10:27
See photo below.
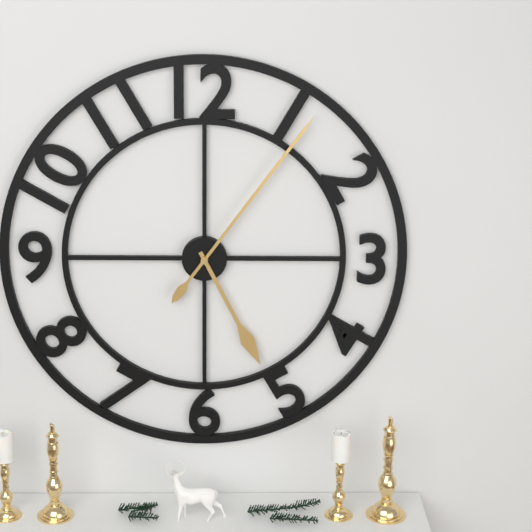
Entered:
5:06
